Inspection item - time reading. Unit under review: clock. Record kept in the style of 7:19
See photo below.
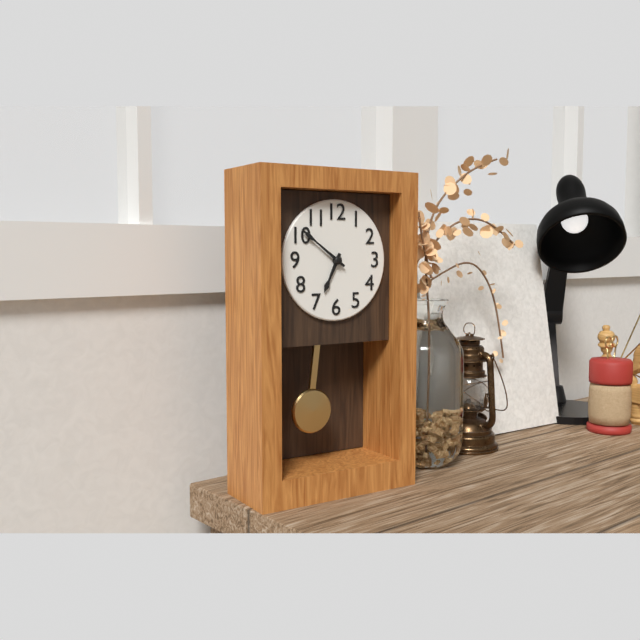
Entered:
6:51
